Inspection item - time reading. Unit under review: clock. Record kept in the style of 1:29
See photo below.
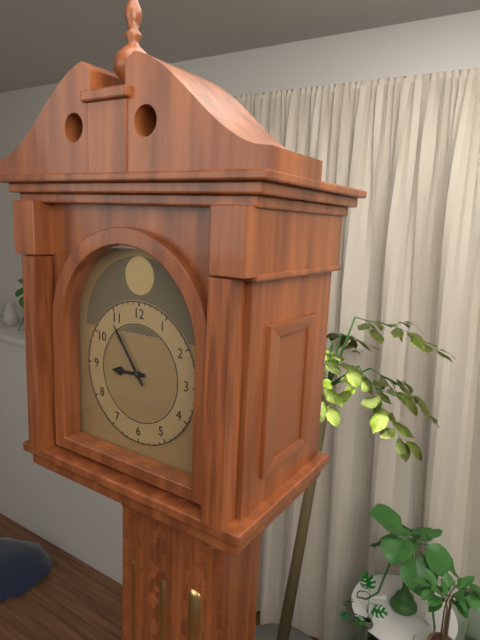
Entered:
8:54
